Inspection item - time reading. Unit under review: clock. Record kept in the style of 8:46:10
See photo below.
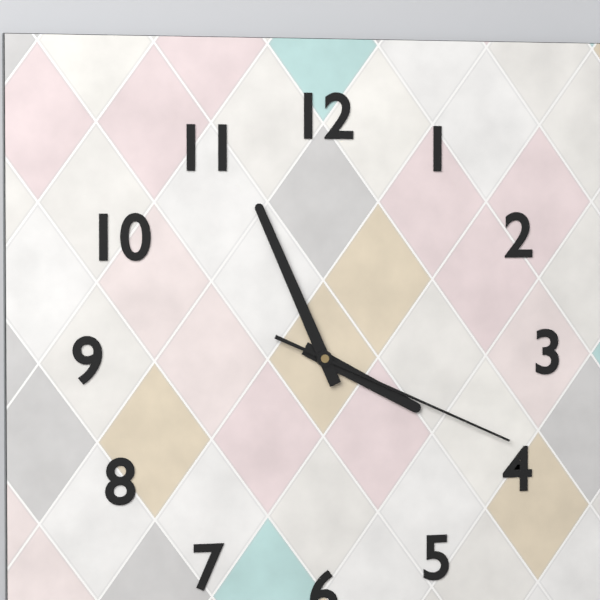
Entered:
3:56:19
